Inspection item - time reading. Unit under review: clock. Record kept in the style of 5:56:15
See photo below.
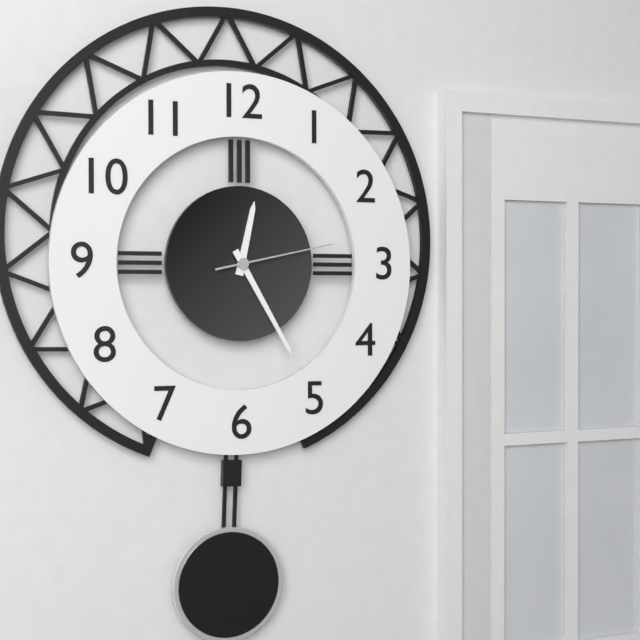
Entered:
12:25:13
